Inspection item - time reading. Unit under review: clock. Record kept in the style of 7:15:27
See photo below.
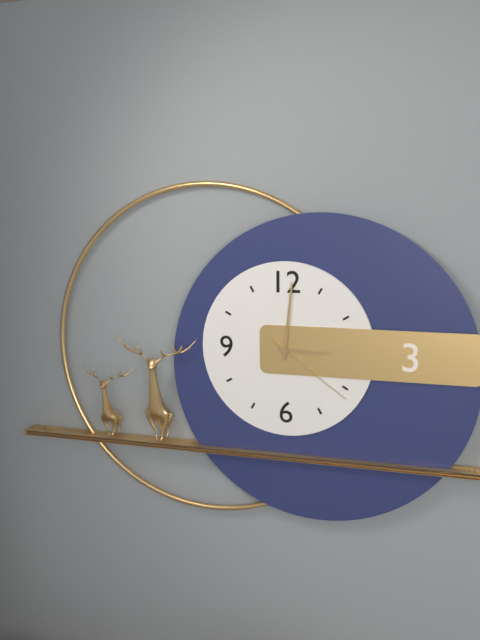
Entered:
3:01:21
